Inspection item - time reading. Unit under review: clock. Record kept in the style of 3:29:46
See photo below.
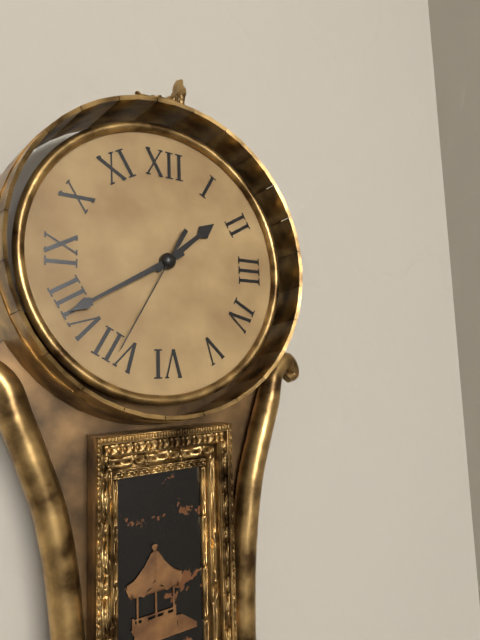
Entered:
1:40:35
